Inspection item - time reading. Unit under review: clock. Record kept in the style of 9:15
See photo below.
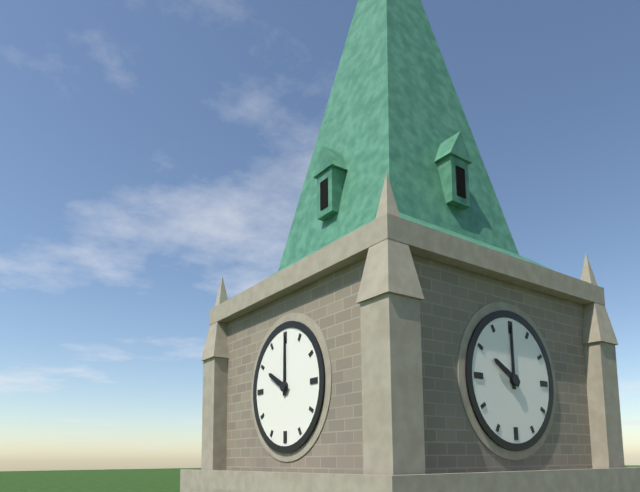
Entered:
10:00
